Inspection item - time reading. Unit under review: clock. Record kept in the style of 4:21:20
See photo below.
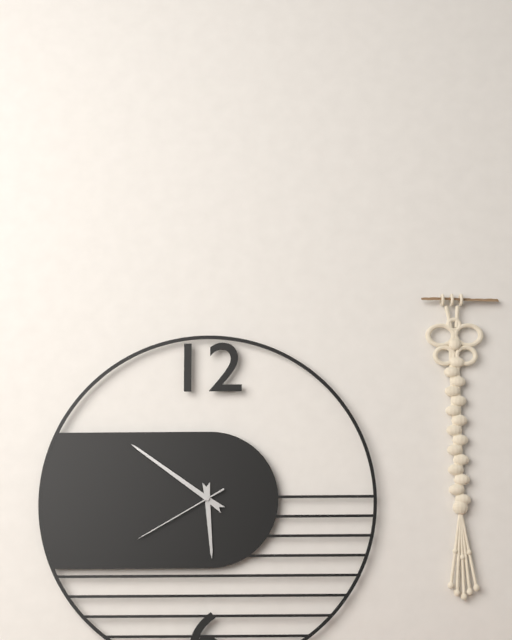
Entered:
5:51:40
